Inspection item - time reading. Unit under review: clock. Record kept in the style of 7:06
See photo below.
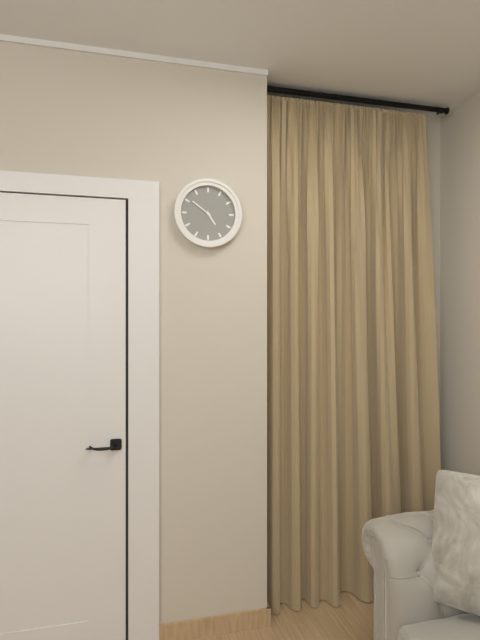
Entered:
4:51
